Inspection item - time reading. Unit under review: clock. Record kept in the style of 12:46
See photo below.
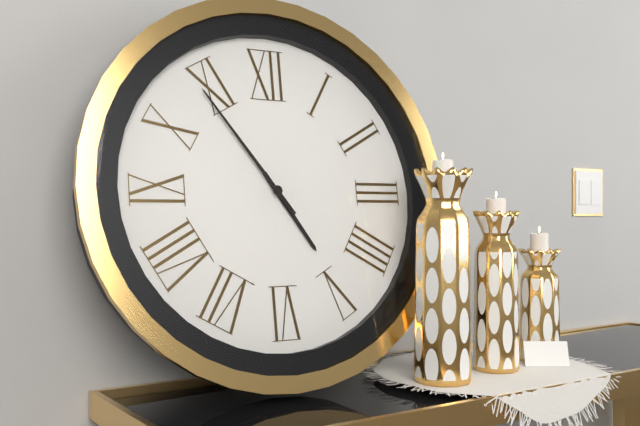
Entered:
4:54
